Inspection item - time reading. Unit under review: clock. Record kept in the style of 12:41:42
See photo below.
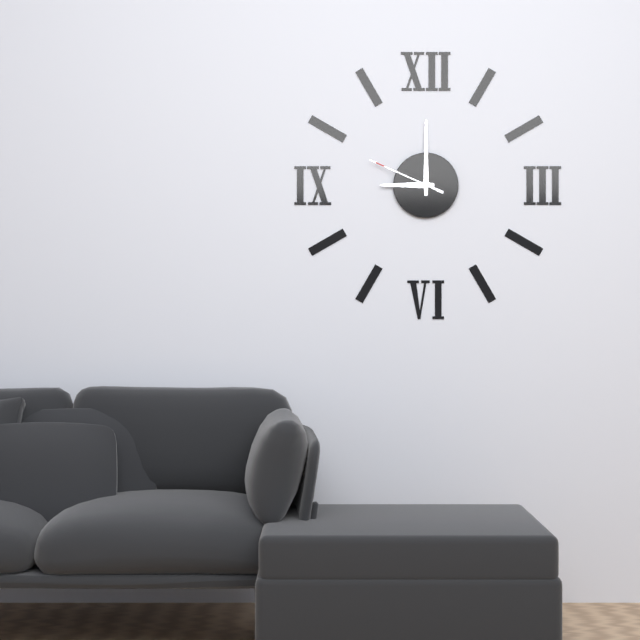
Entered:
9:00:49
